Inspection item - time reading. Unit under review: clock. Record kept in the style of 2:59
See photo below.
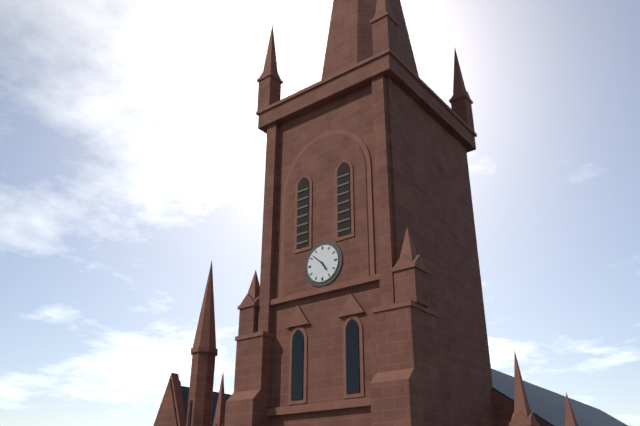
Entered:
4:52
